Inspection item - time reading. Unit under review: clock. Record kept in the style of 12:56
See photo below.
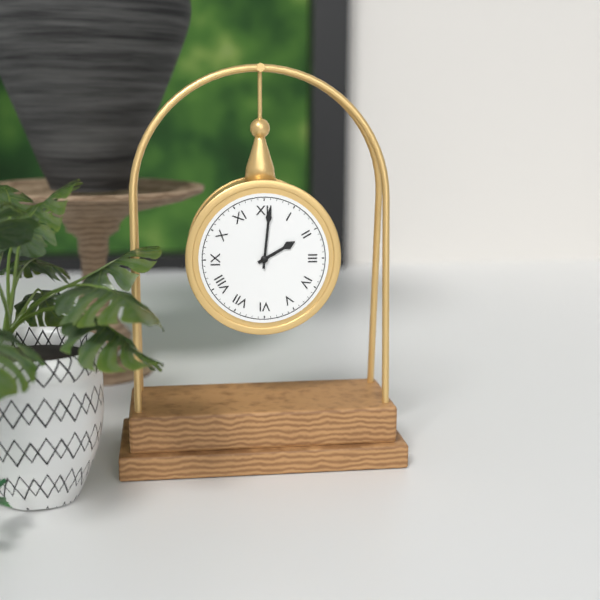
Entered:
2:01
